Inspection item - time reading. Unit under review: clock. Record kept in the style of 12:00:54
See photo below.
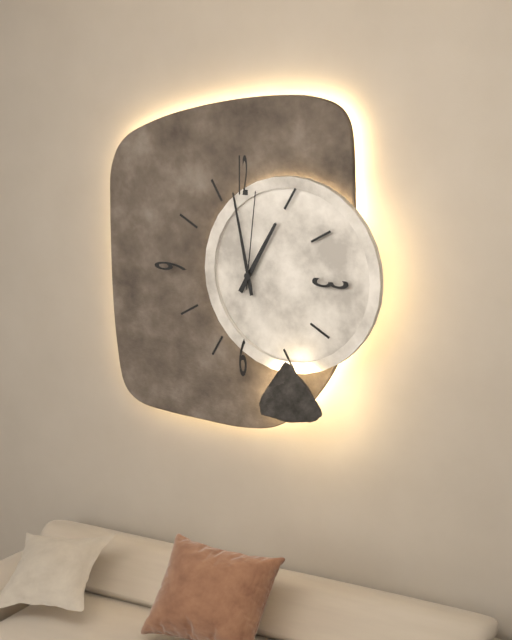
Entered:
12:58:01
